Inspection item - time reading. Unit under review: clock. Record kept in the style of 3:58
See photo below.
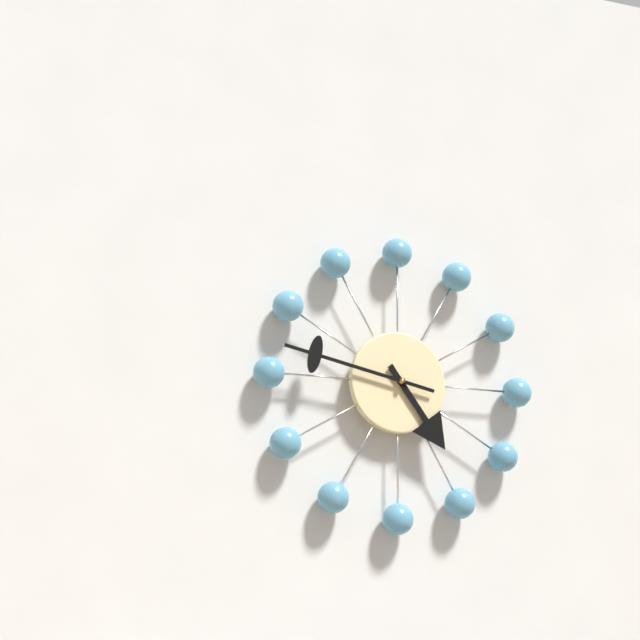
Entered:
4:47
